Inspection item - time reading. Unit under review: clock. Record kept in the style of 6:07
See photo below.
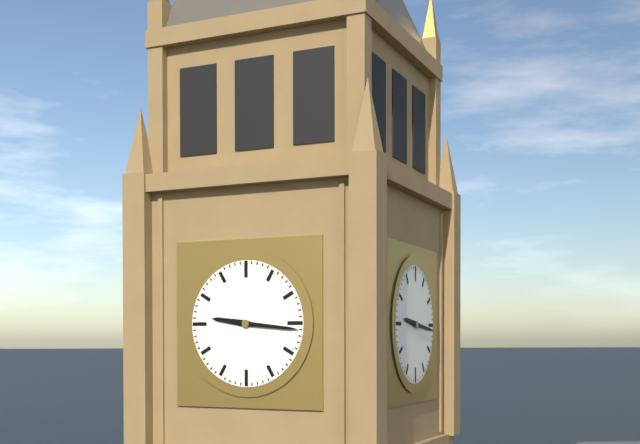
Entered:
9:16
